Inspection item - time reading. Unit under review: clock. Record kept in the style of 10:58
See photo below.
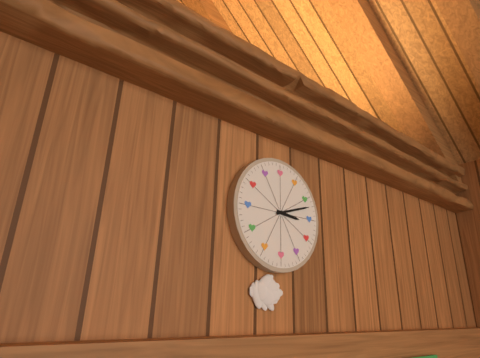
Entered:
3:12
